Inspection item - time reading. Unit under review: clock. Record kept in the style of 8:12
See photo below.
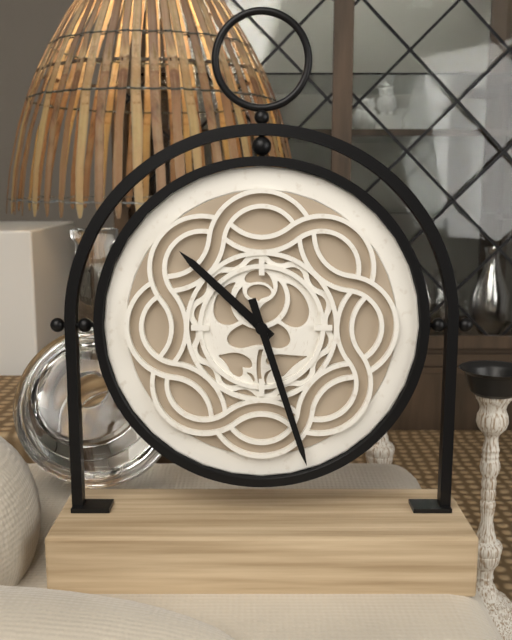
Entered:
10:27
